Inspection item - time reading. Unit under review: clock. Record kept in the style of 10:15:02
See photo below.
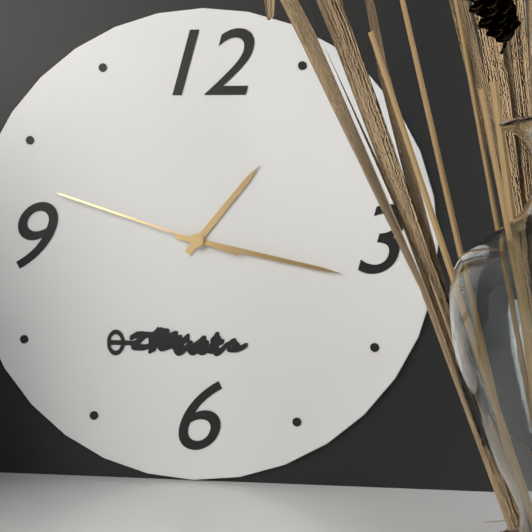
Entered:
1:17:48
